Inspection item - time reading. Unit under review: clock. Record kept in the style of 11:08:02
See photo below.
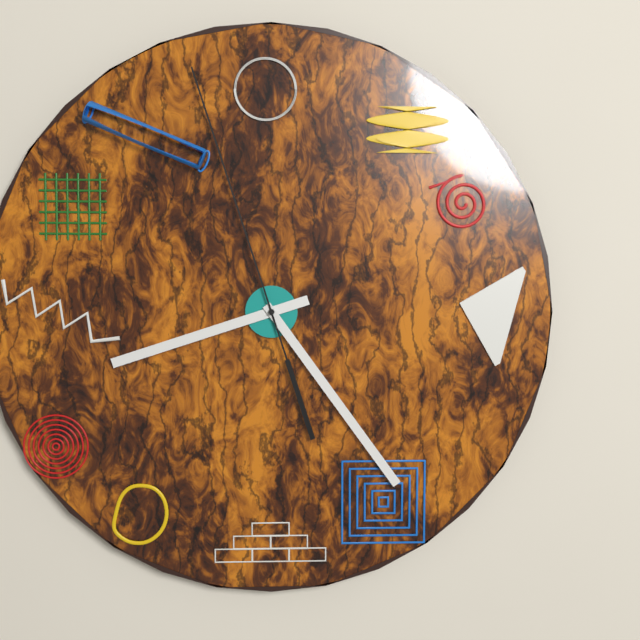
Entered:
8:24:57
